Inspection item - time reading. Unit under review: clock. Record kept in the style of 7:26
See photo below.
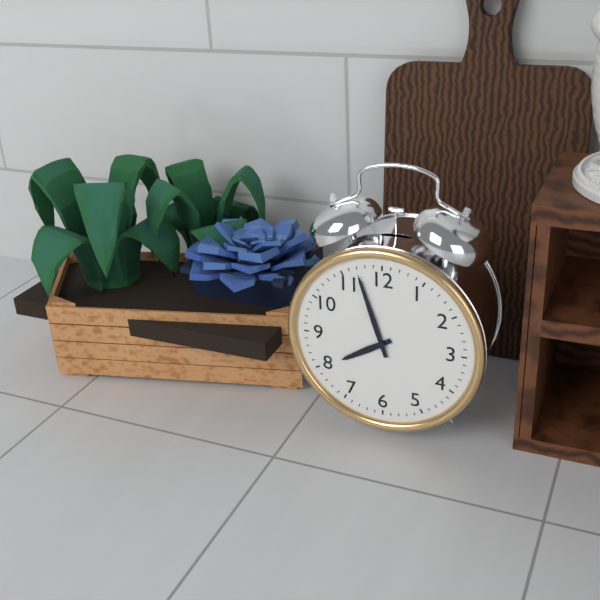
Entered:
7:57
